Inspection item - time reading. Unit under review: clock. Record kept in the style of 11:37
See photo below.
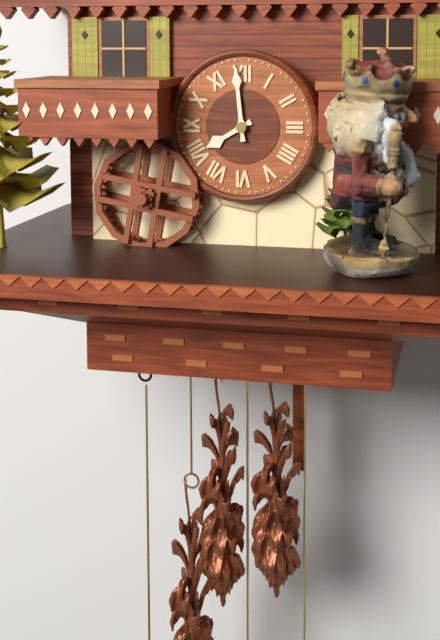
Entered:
7:59
